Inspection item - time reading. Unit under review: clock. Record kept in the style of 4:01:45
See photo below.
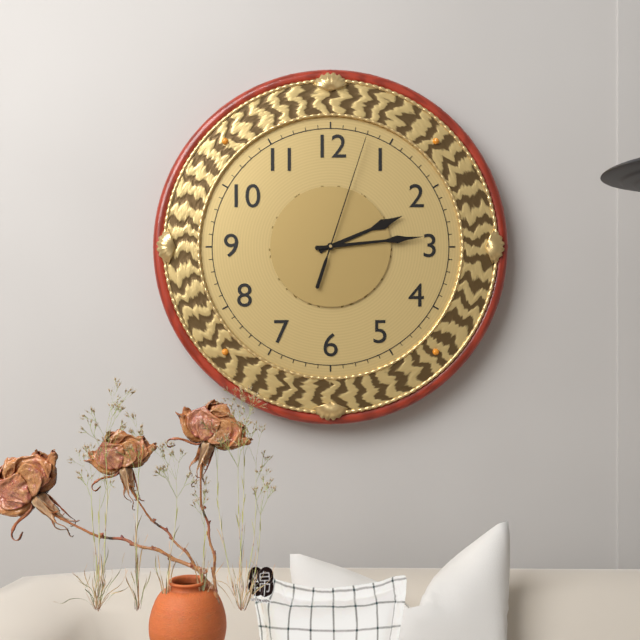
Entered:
2:14:03
